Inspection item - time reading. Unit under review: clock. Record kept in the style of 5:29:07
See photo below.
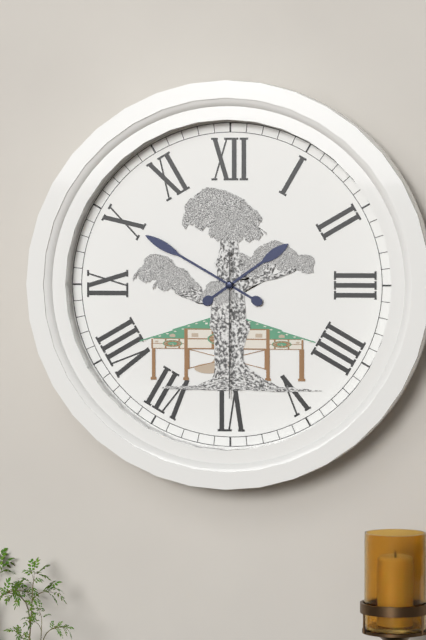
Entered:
1:50:30
